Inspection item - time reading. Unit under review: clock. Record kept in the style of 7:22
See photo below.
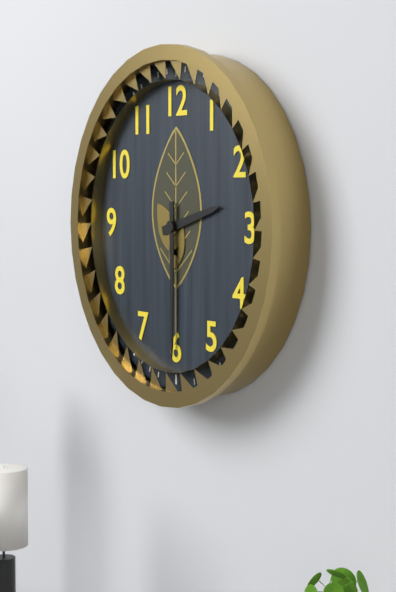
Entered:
2:30
